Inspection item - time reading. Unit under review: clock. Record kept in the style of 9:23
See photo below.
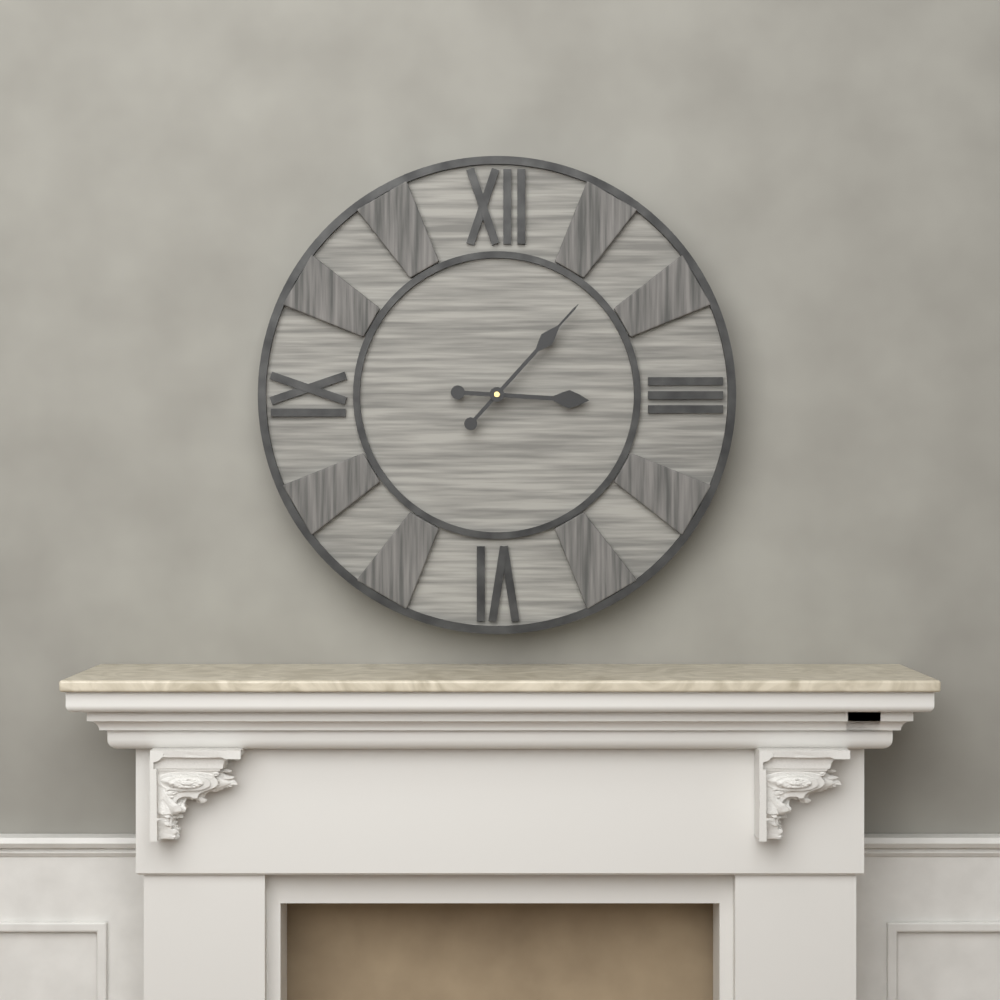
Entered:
3:07
